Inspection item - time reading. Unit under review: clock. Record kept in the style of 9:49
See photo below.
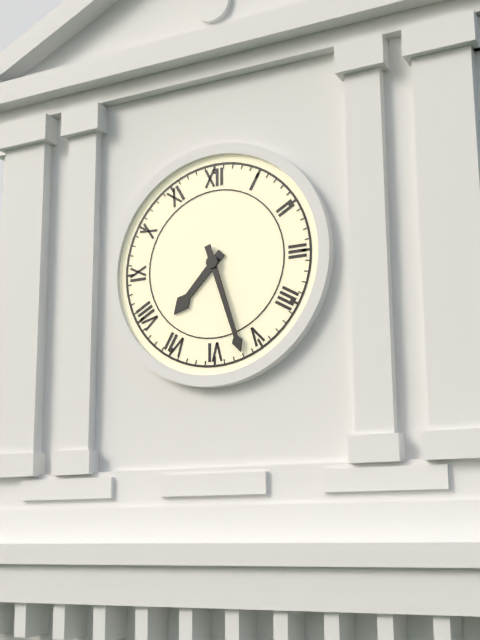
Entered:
7:27
